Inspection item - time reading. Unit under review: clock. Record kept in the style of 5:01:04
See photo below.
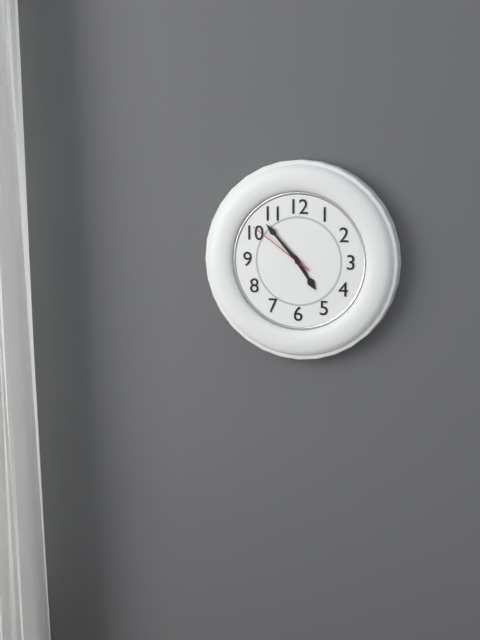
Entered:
4:53:51
